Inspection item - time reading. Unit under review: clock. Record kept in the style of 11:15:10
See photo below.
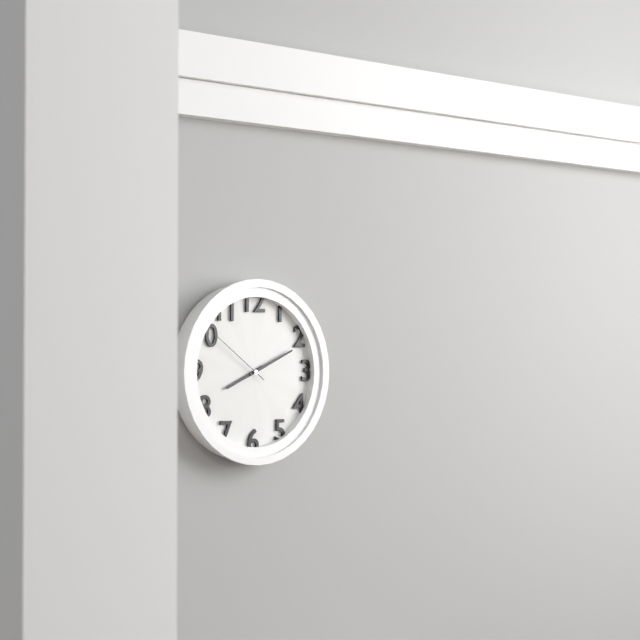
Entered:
8:11:51
